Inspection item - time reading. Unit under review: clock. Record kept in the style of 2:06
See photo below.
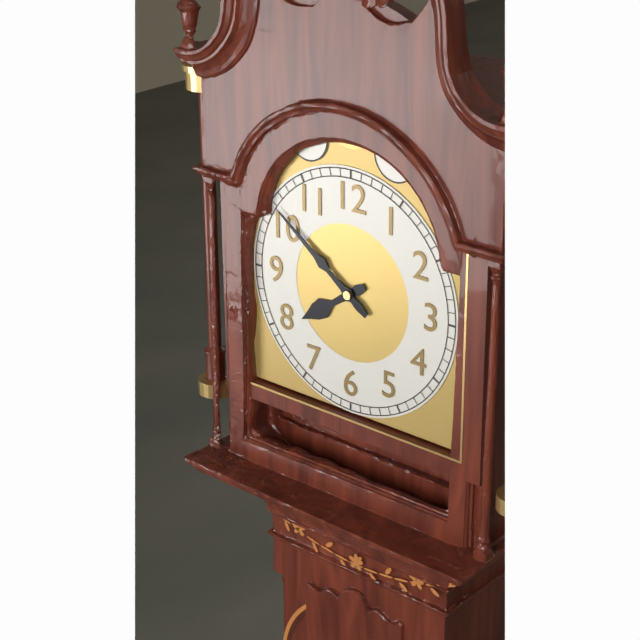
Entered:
7:51
